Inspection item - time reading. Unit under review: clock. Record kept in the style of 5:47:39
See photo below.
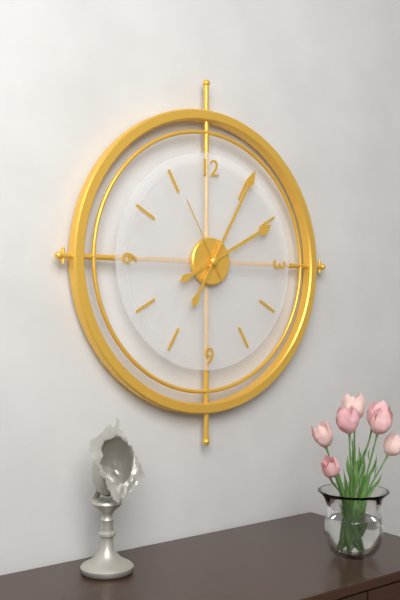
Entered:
2:05:55
